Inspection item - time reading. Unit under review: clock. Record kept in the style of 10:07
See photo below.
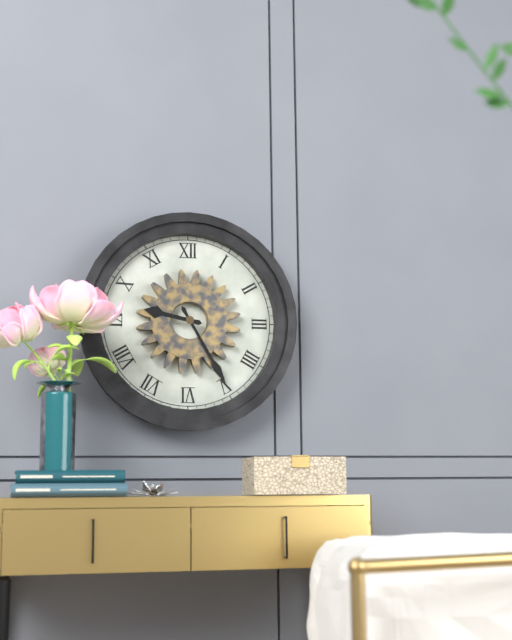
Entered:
9:25
